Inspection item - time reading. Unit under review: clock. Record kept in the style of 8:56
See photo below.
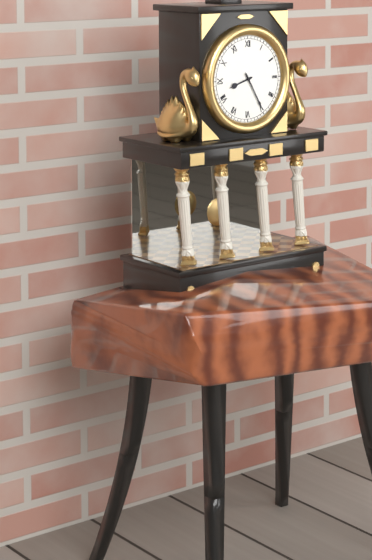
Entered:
8:25
